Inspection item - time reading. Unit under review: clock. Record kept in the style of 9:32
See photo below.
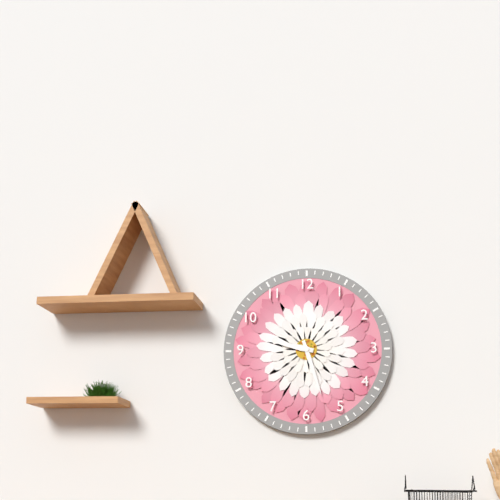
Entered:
9:27
